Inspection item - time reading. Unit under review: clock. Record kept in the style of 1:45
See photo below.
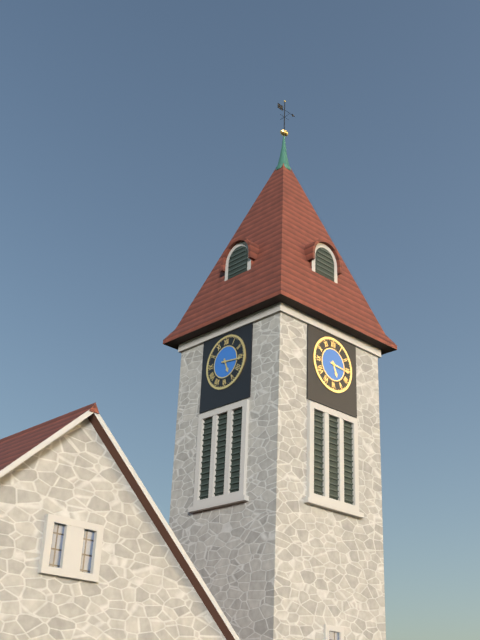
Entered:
5:16
